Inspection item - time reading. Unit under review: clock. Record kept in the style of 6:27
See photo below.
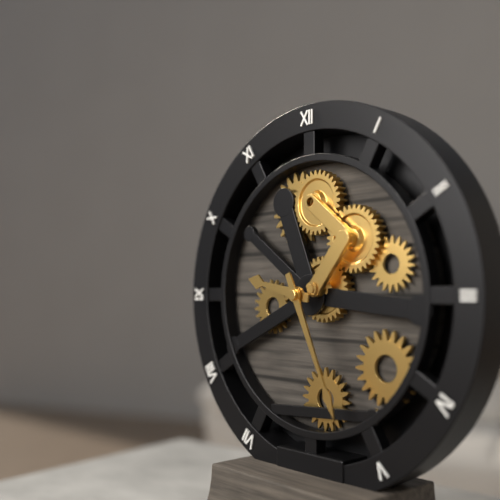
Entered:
9:26
